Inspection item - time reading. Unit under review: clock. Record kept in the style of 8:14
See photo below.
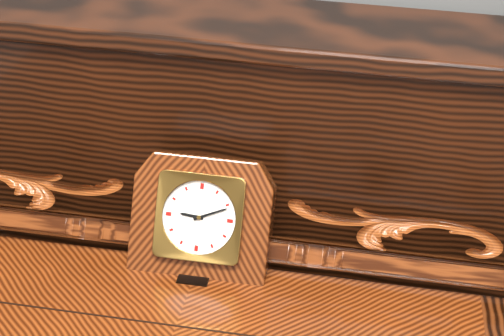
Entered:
9:11
